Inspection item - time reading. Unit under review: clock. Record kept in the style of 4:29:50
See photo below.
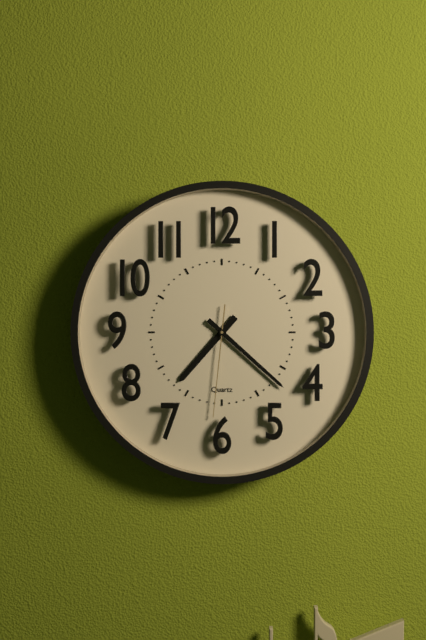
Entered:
7:22:31
